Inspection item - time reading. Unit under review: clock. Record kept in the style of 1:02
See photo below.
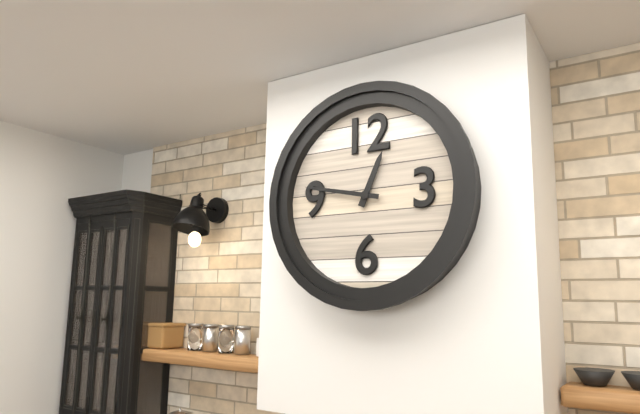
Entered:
12:47
